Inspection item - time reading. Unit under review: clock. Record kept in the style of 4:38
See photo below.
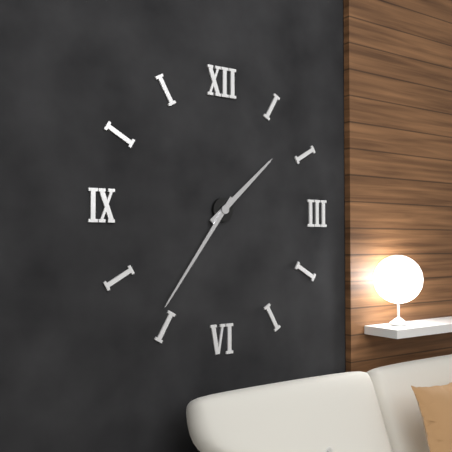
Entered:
1:36
